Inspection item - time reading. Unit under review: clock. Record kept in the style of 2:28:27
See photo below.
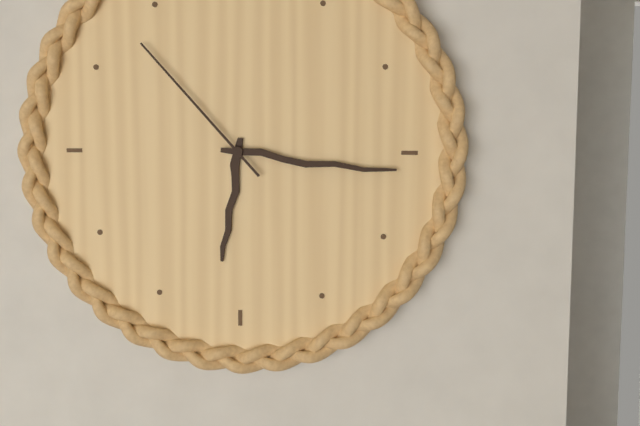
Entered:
6:16:53
